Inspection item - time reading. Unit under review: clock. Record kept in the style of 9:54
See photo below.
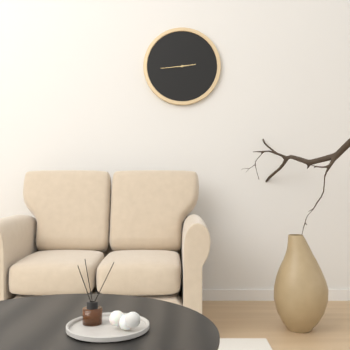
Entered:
2:44
